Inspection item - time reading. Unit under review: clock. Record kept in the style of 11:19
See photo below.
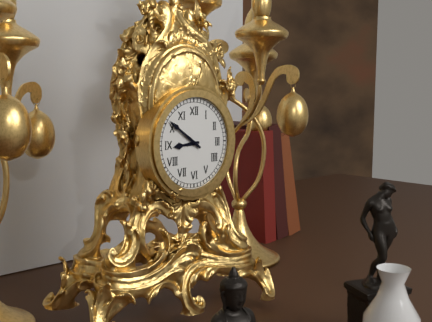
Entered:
8:51
